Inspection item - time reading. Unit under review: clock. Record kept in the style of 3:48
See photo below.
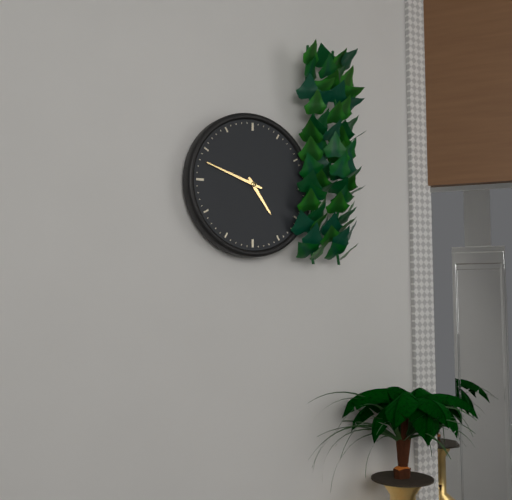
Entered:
4:48
